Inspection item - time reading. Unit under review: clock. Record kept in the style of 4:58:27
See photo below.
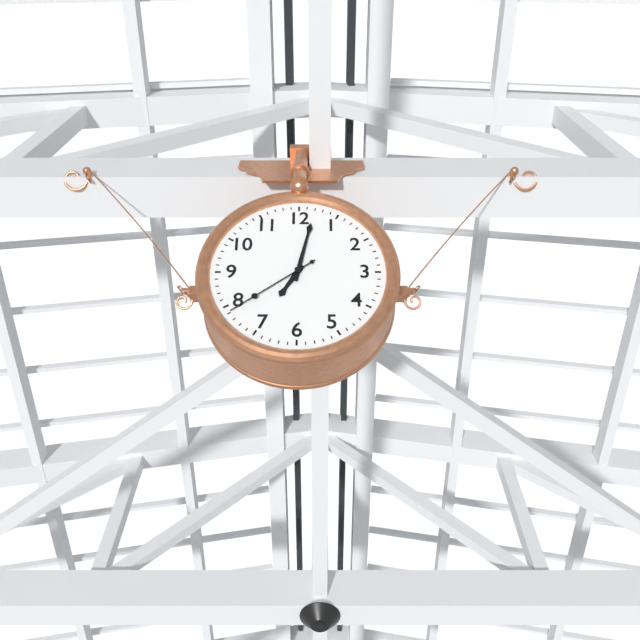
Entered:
7:02:39
